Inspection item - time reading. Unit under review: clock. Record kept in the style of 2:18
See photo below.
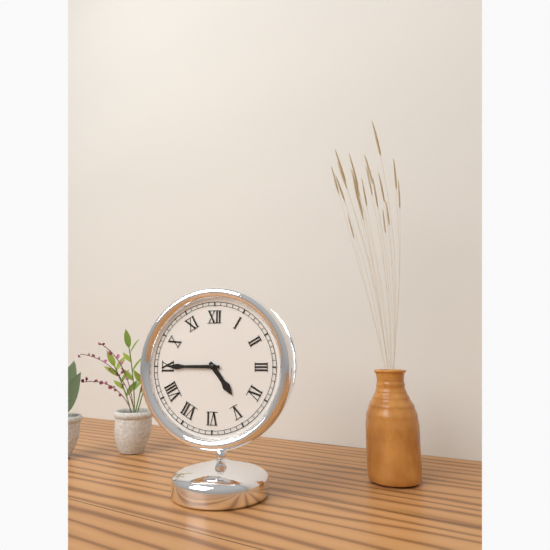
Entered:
4:45
